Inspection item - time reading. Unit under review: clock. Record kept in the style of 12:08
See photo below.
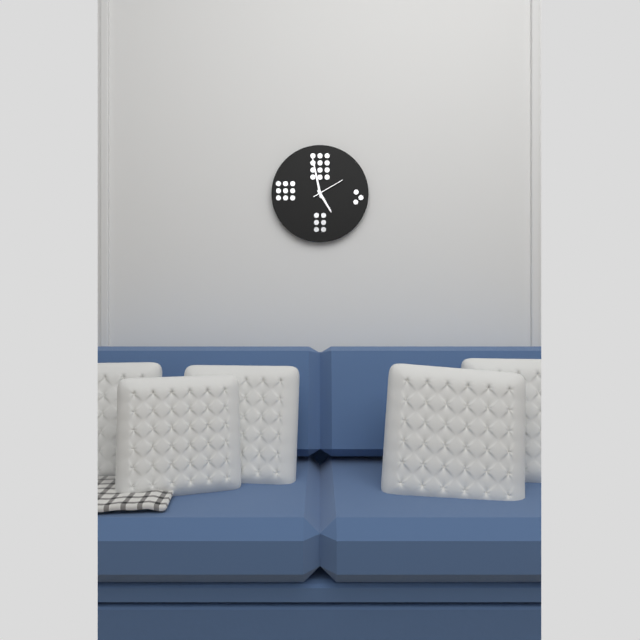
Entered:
4:58
